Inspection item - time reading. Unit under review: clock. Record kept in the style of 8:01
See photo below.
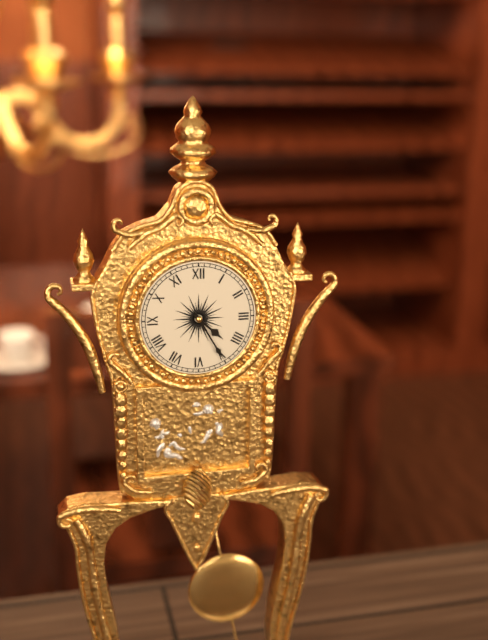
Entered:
4:25
